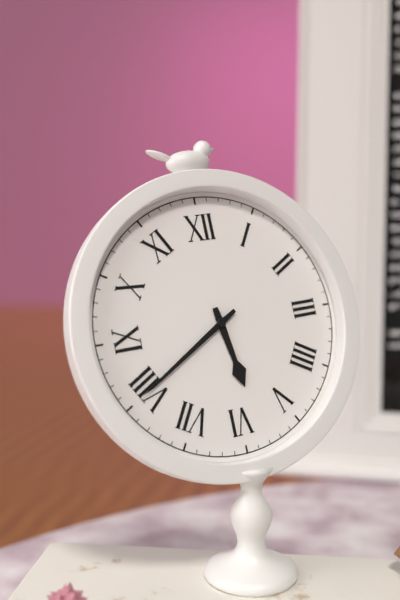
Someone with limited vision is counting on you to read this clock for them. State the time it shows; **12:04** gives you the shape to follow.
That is **5:40**
